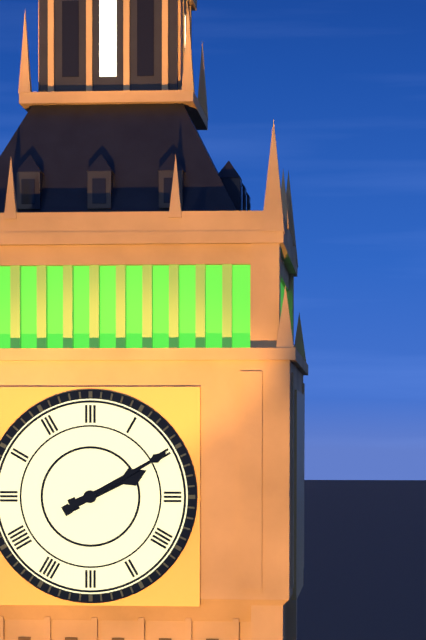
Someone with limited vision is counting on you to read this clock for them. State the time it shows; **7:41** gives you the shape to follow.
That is **2:10**
